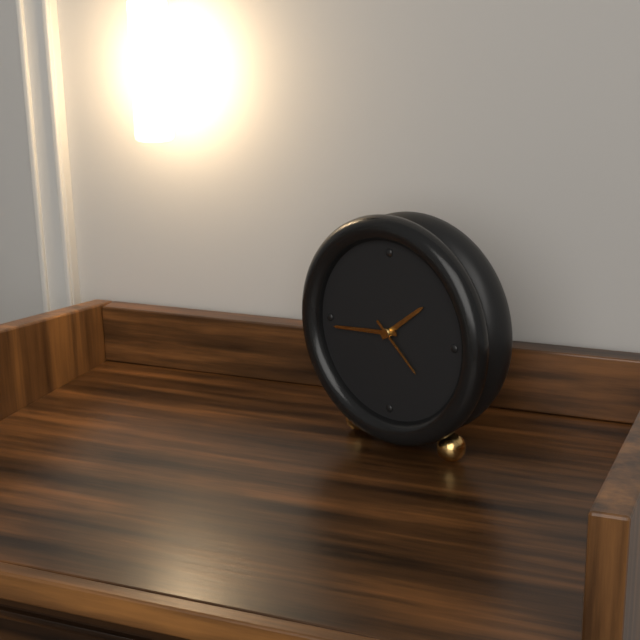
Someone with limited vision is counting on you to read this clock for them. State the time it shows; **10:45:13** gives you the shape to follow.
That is **1:44:22**
